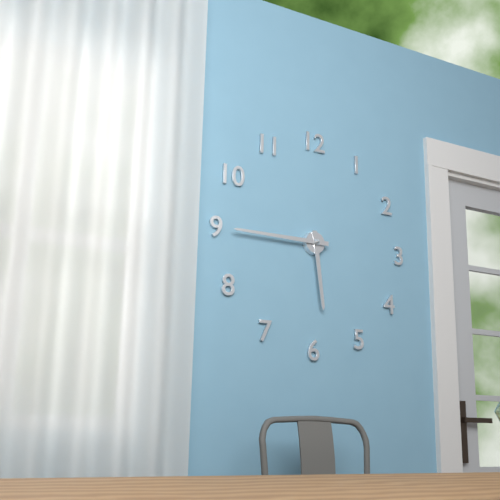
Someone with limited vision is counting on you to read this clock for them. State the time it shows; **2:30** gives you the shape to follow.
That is **5:45**
